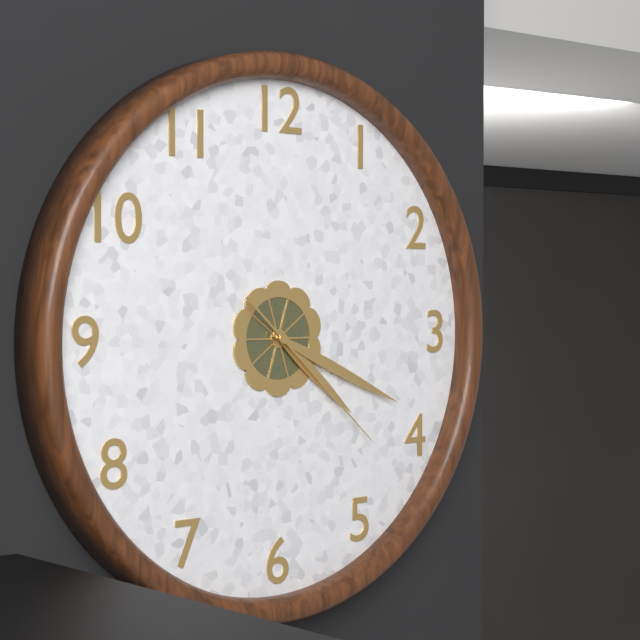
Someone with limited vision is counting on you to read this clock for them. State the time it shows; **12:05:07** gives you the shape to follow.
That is **4:19:22**
